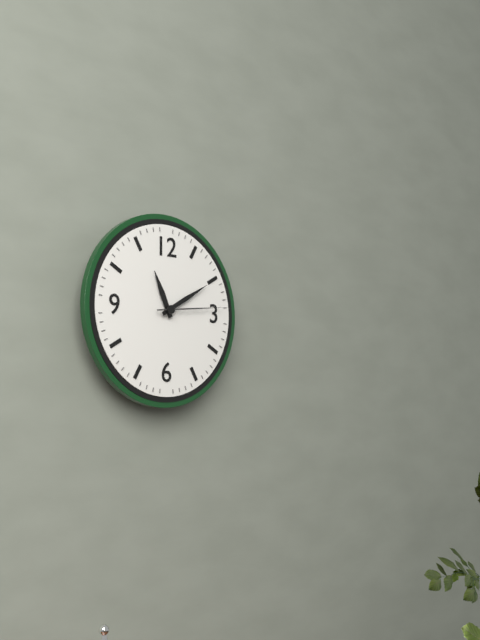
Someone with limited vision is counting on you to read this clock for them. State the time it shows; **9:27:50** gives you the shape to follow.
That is **11:10:14**
